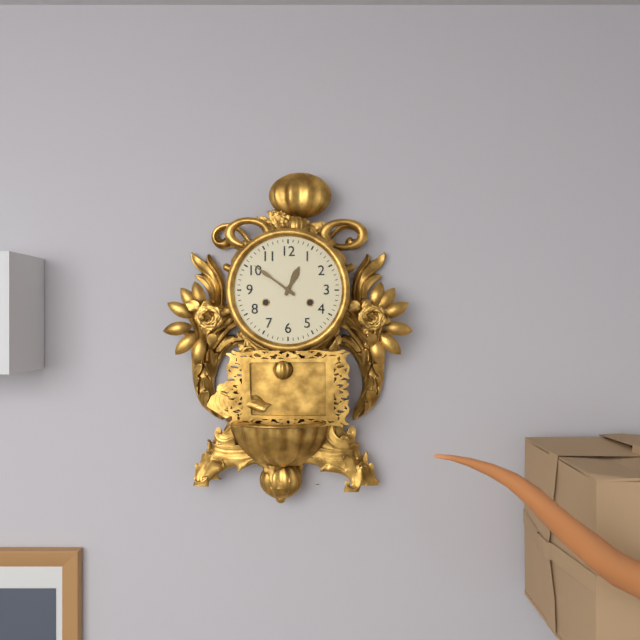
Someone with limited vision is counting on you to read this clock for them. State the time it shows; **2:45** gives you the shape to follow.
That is **12:51**
